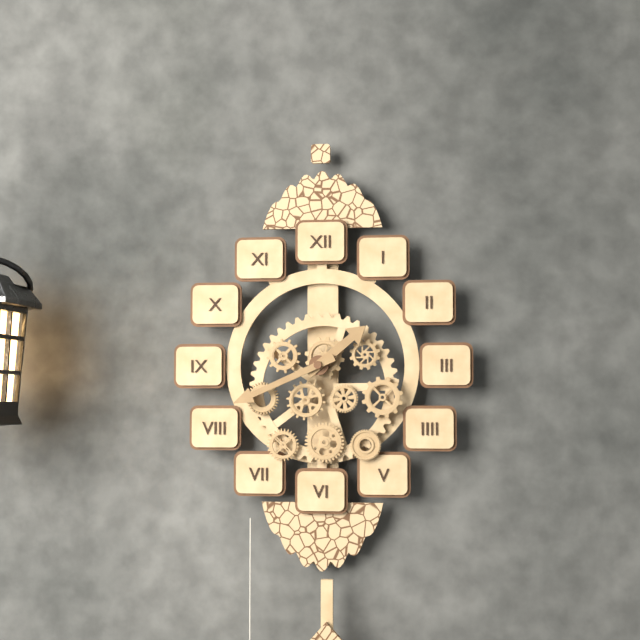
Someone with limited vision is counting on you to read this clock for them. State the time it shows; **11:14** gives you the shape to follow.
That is **1:41**
